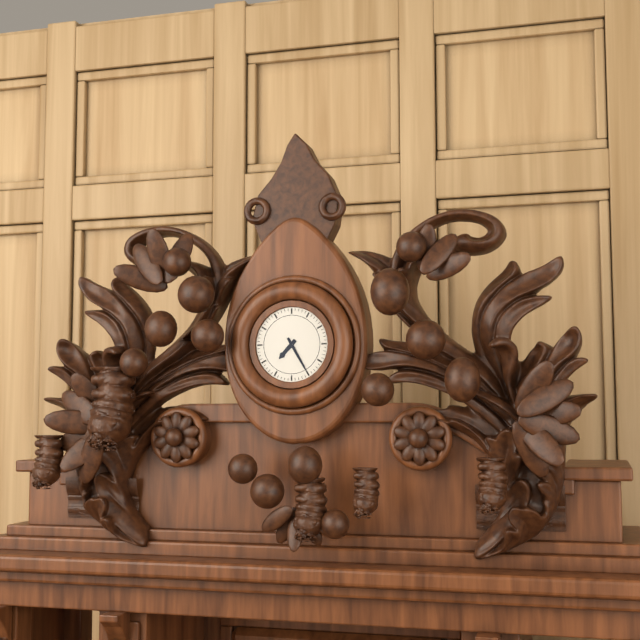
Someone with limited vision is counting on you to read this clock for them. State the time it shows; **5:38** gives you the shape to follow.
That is **7:25**
